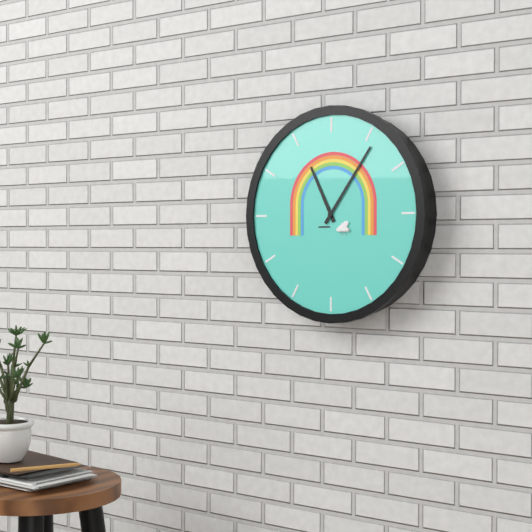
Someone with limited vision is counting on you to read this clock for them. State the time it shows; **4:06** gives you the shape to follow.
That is **11:06**
